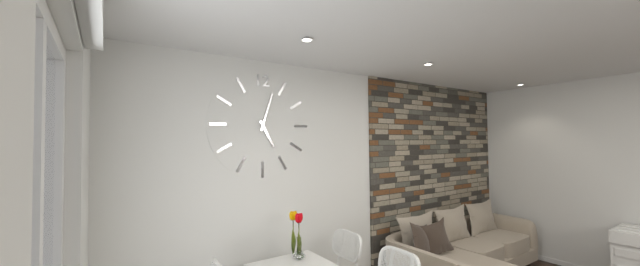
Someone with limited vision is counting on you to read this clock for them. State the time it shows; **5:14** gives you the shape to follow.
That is **5:03**
